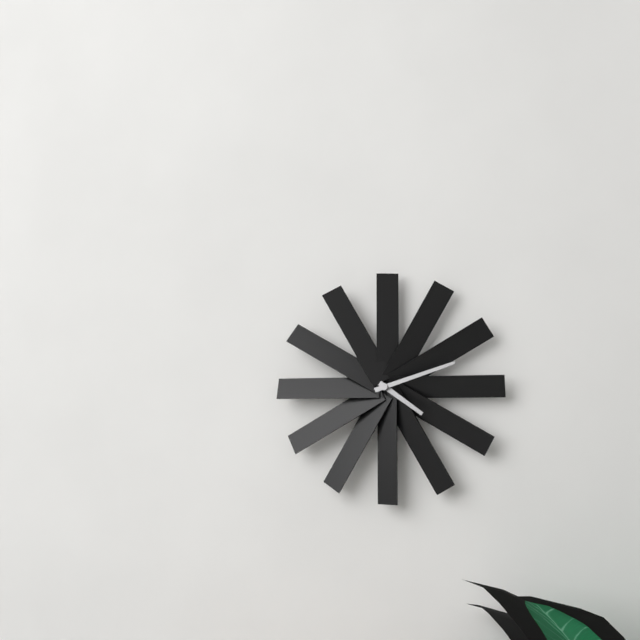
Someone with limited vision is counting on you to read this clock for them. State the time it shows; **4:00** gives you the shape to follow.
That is **4:12**
